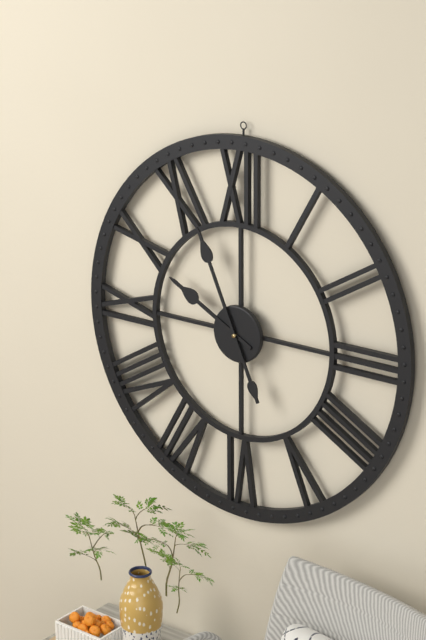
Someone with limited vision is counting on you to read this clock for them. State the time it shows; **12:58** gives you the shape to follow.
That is **9:56**
